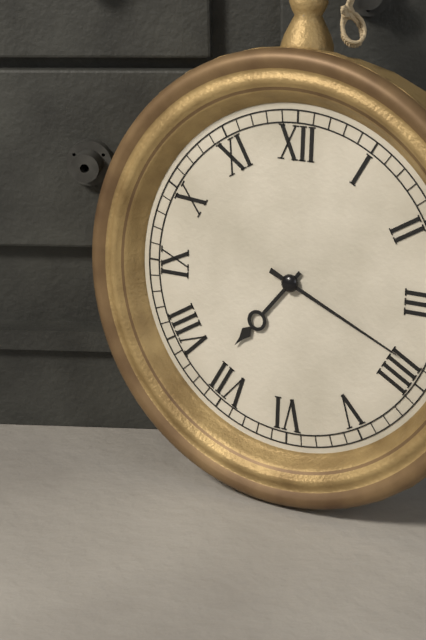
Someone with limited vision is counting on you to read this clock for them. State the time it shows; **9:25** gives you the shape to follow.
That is **7:19**
